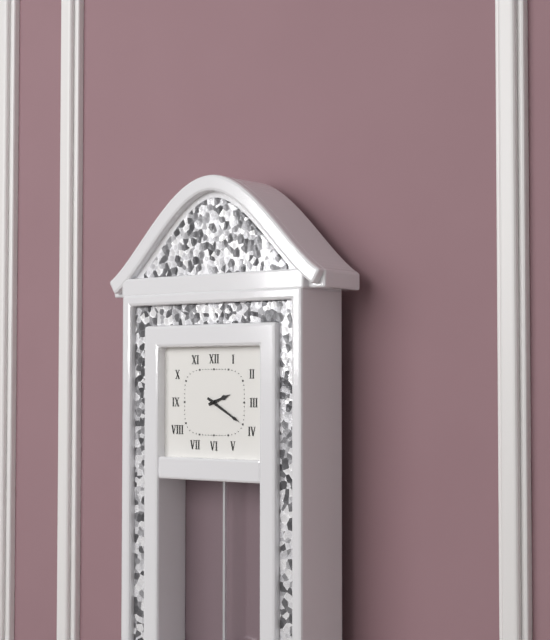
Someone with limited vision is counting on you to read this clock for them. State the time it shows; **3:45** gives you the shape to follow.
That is **2:20**
